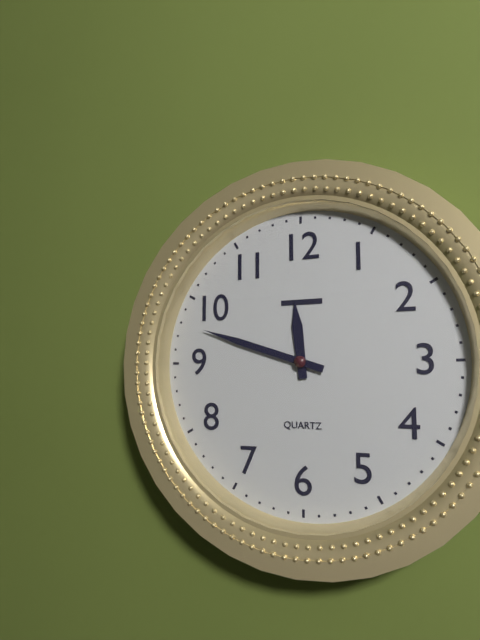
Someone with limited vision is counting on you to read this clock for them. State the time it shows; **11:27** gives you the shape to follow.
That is **11:48**
